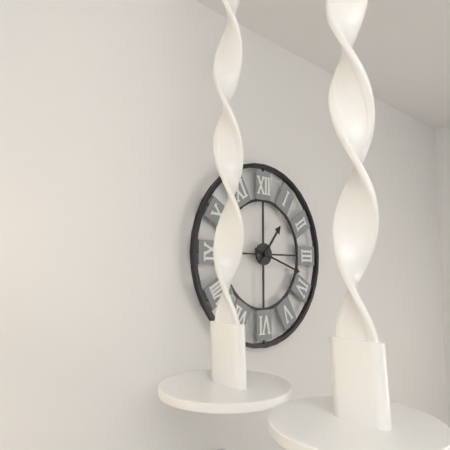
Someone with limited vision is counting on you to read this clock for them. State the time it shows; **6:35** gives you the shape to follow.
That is **1:18**
